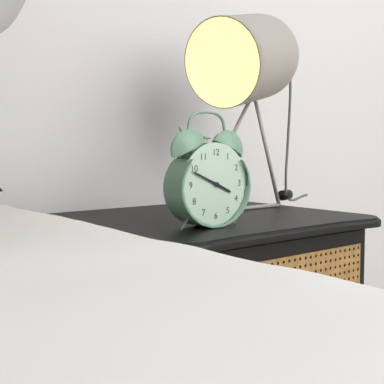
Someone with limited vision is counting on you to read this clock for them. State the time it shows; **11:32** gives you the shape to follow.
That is **3:49**
